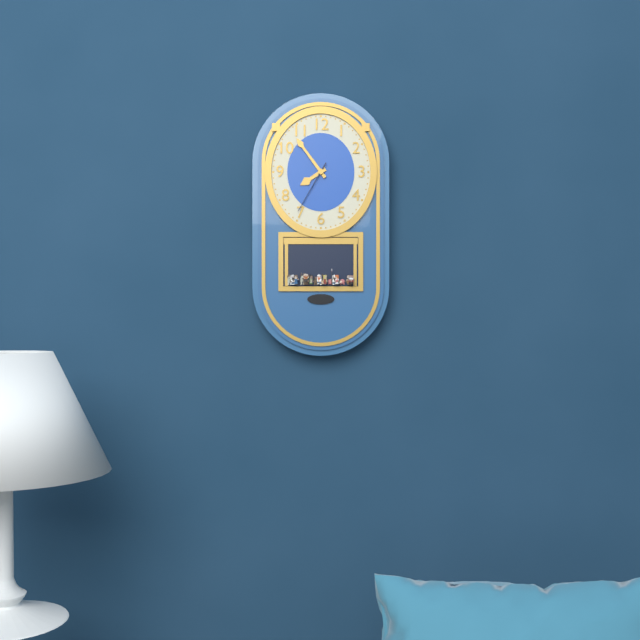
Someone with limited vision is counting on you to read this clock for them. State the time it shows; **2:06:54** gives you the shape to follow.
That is **7:54:35**
